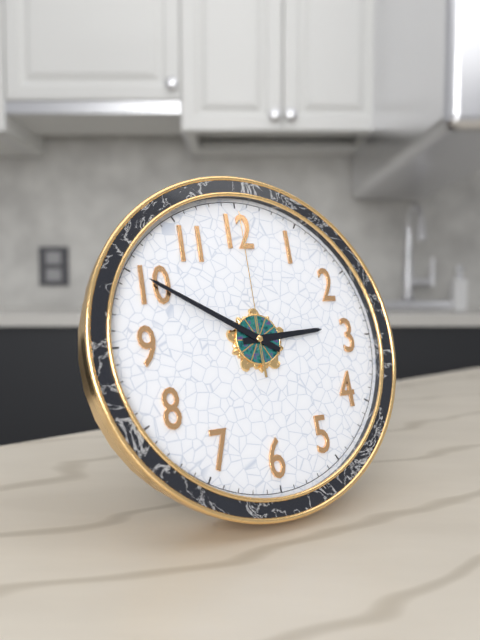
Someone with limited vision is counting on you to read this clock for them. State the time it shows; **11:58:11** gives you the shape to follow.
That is **2:50:00**
